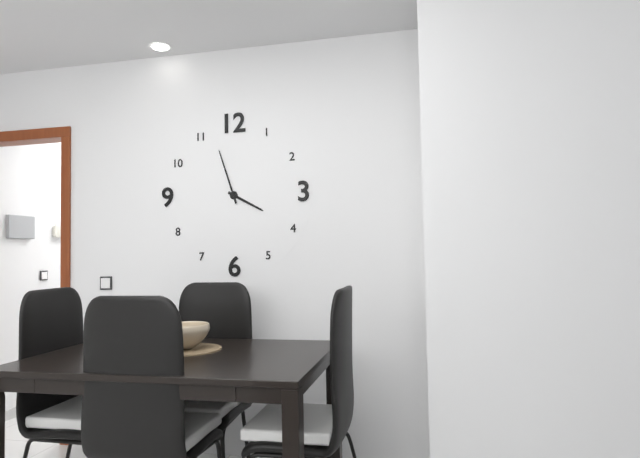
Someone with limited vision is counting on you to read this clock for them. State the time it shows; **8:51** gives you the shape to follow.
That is **3:57**
